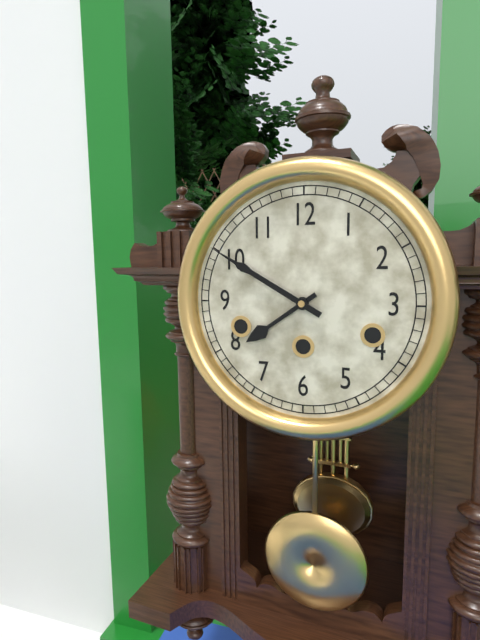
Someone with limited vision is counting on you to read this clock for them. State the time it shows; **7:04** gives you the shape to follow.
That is **7:50**
